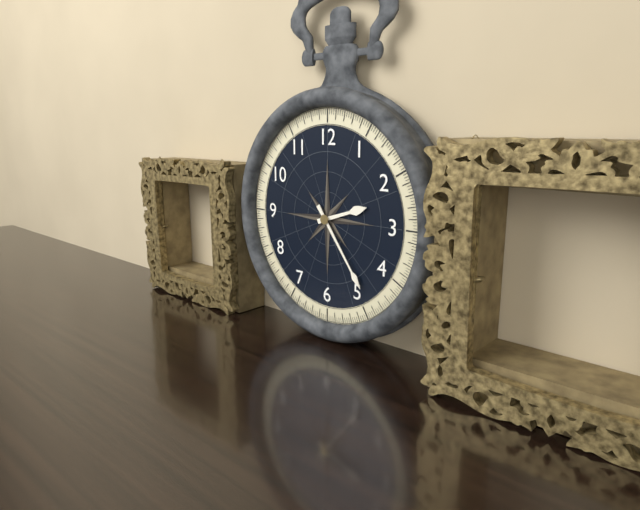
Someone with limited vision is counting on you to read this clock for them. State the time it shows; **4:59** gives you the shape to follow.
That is **2:24**
